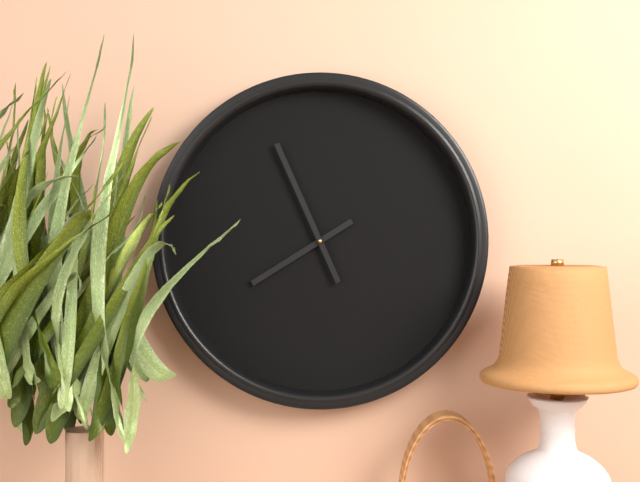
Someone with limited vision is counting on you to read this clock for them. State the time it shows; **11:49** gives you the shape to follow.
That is **7:56**
